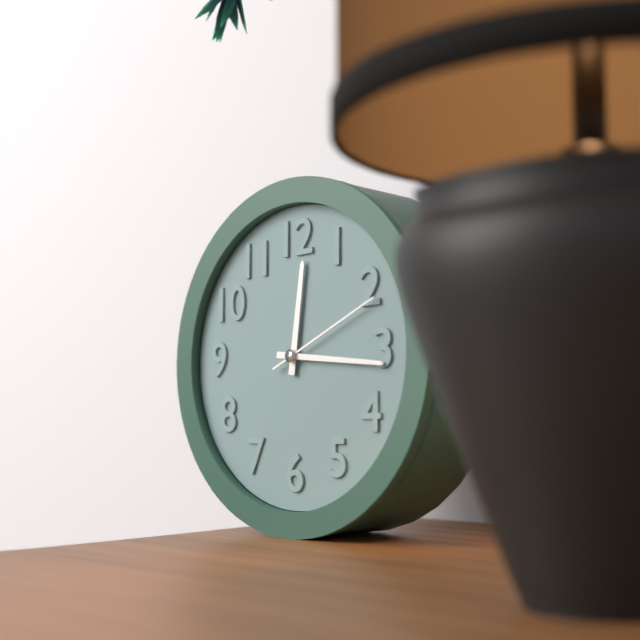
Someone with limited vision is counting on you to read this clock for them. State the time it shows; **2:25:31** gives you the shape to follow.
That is **12:16:11**
